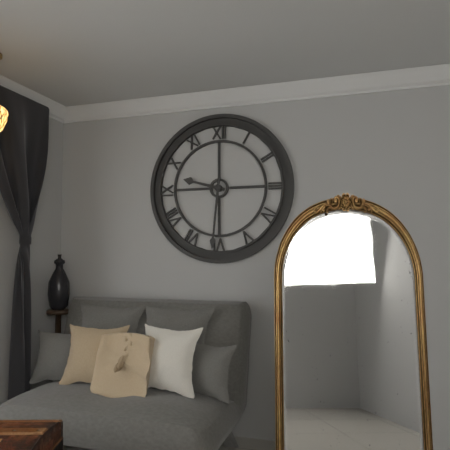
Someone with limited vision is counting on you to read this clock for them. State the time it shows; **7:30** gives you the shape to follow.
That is **9:31**
